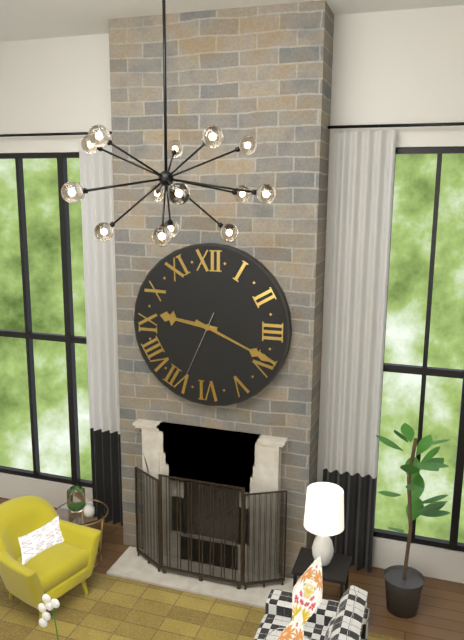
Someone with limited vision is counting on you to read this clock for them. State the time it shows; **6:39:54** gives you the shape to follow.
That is **9:19:34**
